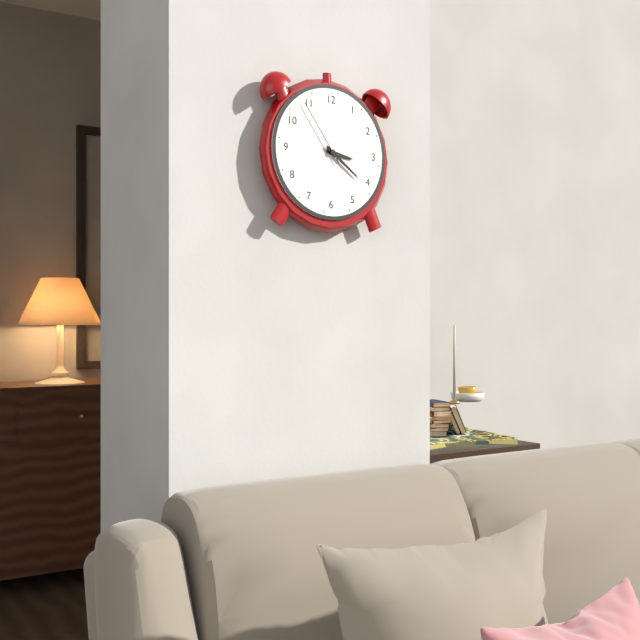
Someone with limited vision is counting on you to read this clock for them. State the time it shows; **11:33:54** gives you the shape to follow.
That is **3:21:54**
